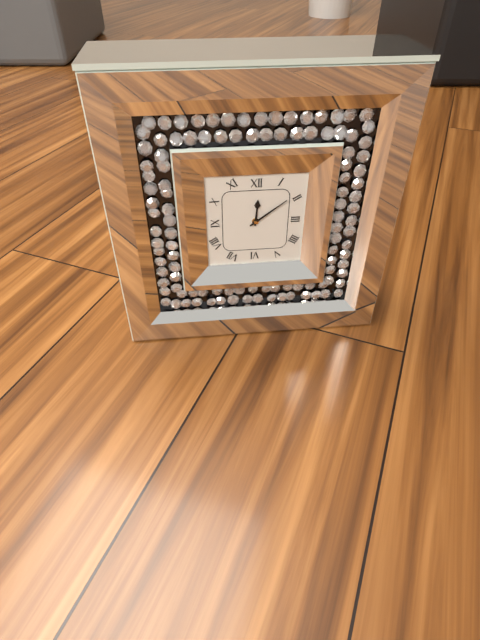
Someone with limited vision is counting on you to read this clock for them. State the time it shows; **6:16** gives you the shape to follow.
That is **12:09**
